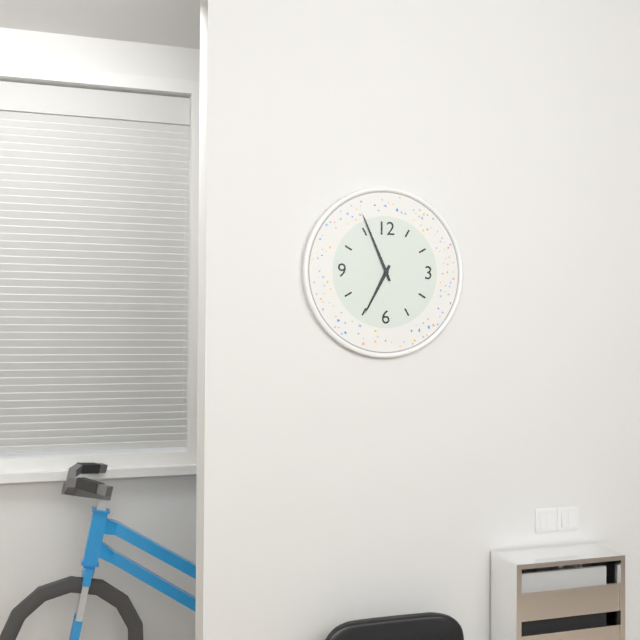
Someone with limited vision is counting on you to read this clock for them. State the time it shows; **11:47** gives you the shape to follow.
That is **6:56**
